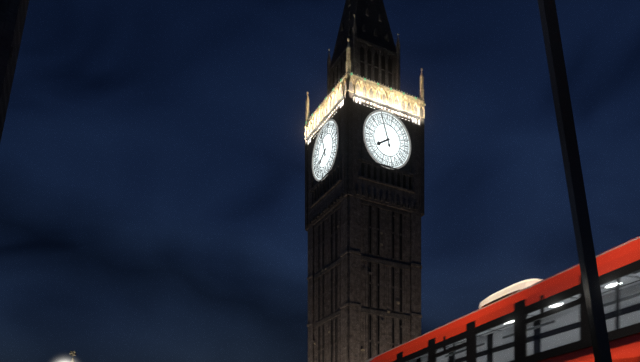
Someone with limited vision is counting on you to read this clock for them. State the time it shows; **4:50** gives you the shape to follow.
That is **7:57**
